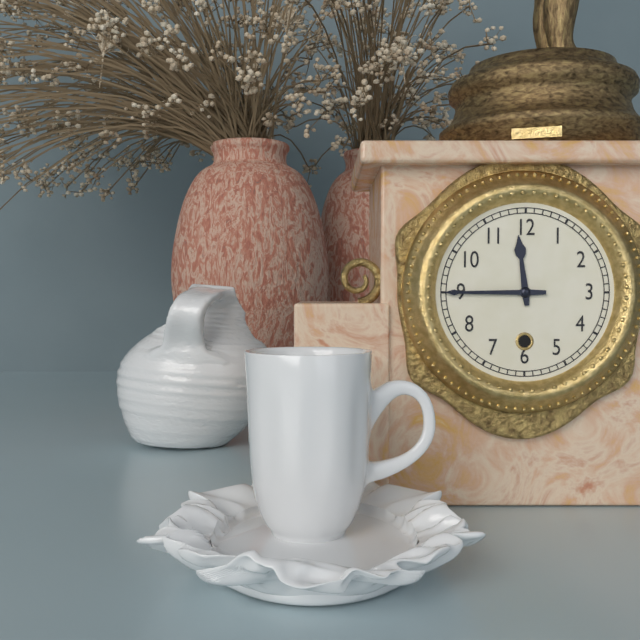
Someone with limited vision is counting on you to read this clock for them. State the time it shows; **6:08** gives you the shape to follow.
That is **11:45**
